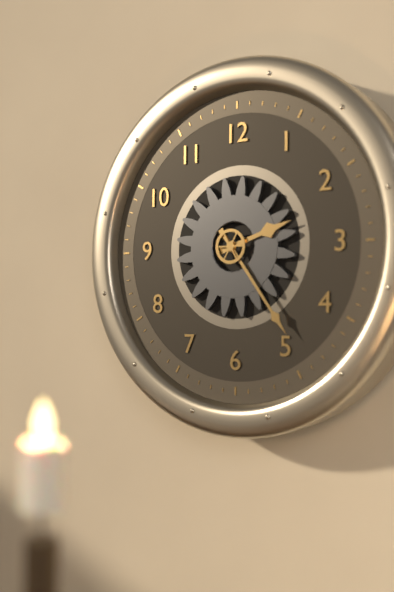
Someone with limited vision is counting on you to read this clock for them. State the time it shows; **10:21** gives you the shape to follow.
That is **2:24**
